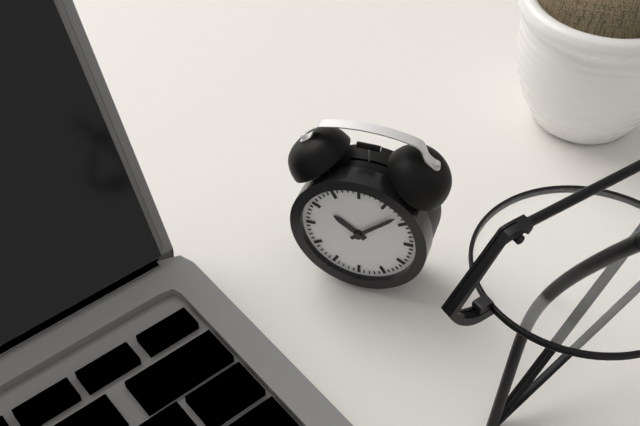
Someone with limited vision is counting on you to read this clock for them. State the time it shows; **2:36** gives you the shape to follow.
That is **10:08**
